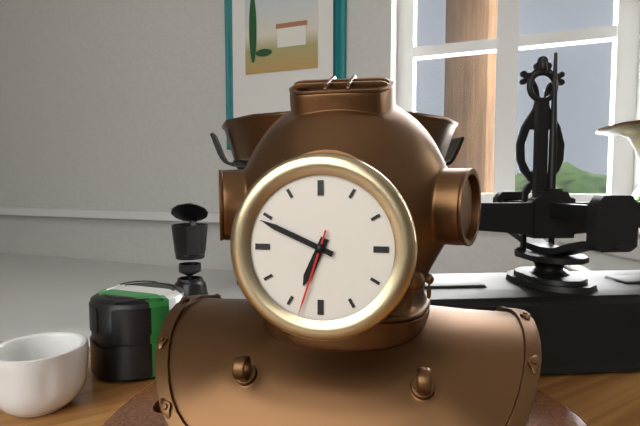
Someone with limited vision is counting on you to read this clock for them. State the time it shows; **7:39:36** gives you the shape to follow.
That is **6:49:33**
